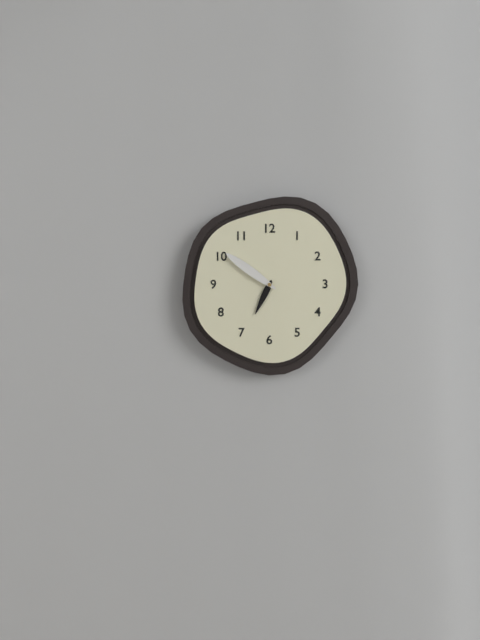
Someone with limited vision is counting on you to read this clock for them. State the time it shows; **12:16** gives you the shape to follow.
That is **6:51**
